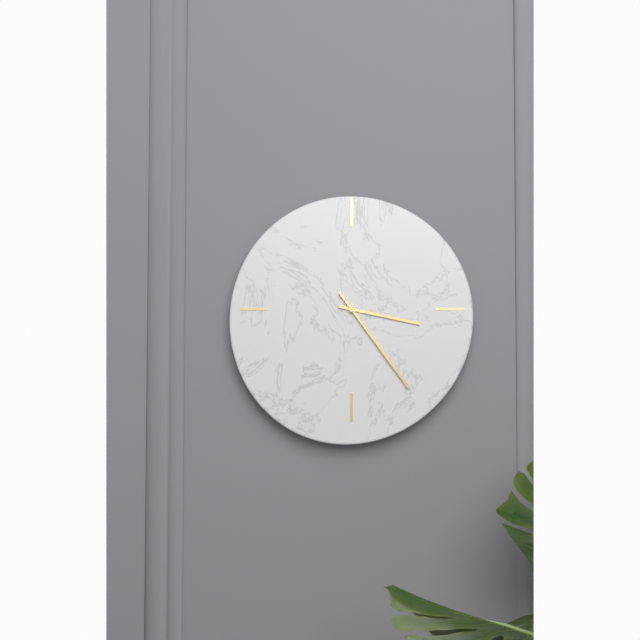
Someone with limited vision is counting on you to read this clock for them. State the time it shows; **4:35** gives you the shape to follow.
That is **3:24**
